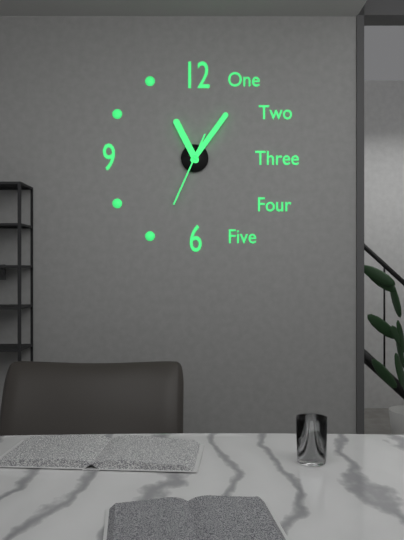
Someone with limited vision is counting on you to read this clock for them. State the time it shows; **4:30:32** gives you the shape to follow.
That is **11:06:34**
